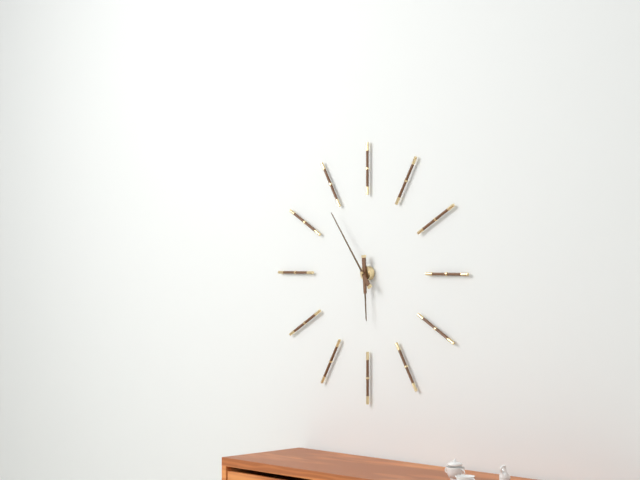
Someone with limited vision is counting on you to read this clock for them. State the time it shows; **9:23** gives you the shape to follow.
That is **5:54**
